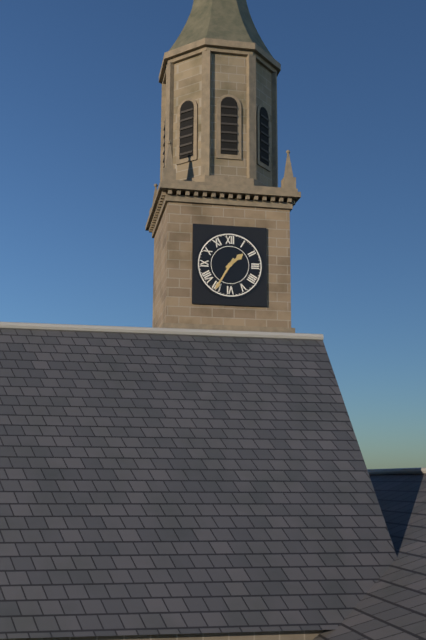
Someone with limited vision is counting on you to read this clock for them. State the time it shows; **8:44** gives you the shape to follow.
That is **1:35**
